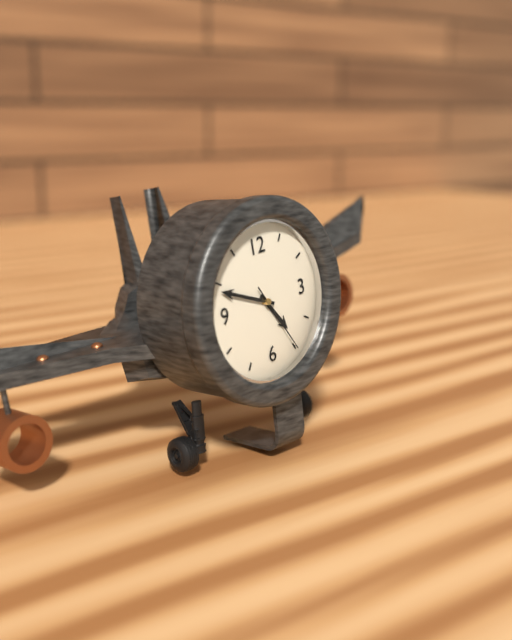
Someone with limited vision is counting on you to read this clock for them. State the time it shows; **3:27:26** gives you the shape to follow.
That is **4:49:25**
